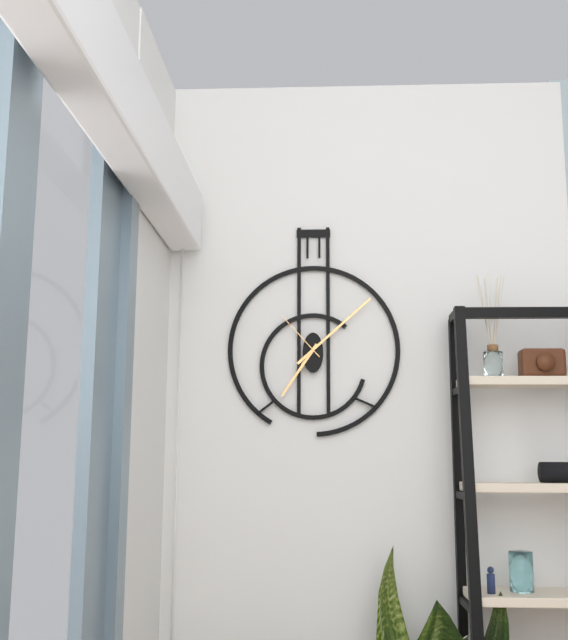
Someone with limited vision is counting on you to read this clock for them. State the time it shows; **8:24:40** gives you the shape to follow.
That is **7:08:53**
